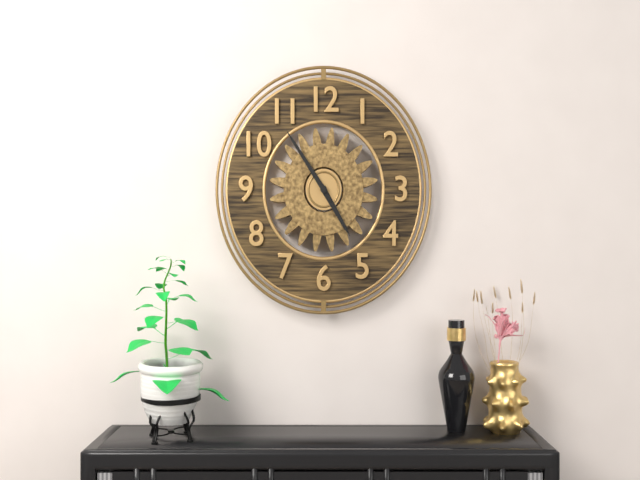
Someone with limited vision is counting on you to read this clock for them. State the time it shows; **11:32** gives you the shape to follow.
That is **4:54**
